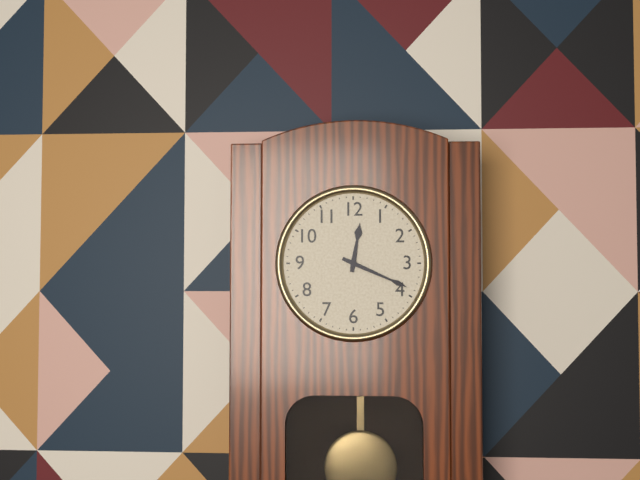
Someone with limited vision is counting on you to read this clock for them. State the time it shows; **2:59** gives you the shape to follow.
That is **12:19**
